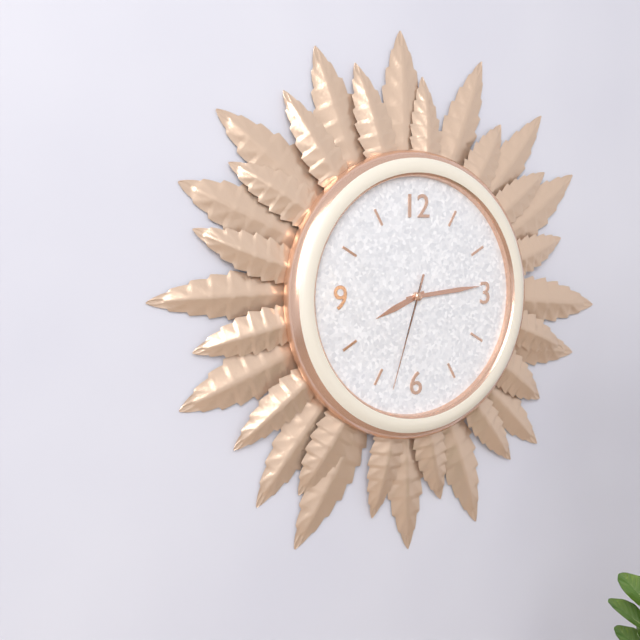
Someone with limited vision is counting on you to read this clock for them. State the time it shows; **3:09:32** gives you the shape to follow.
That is **8:14:33**
